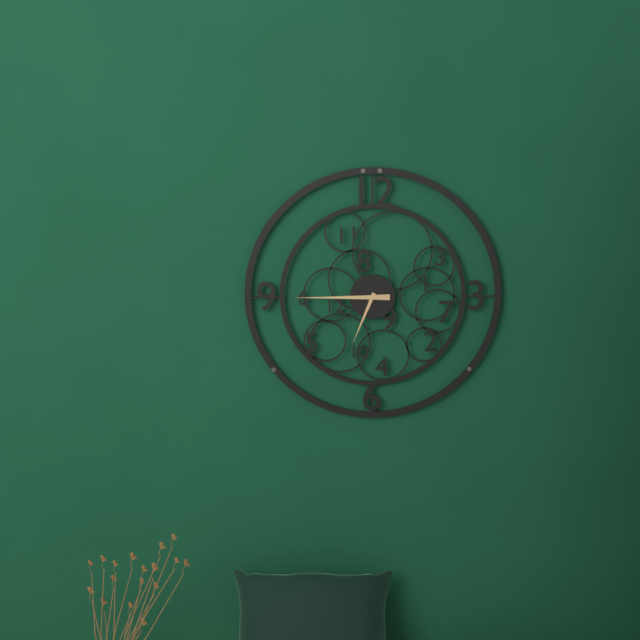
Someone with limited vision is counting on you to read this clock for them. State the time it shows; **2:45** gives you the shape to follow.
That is **6:45**
